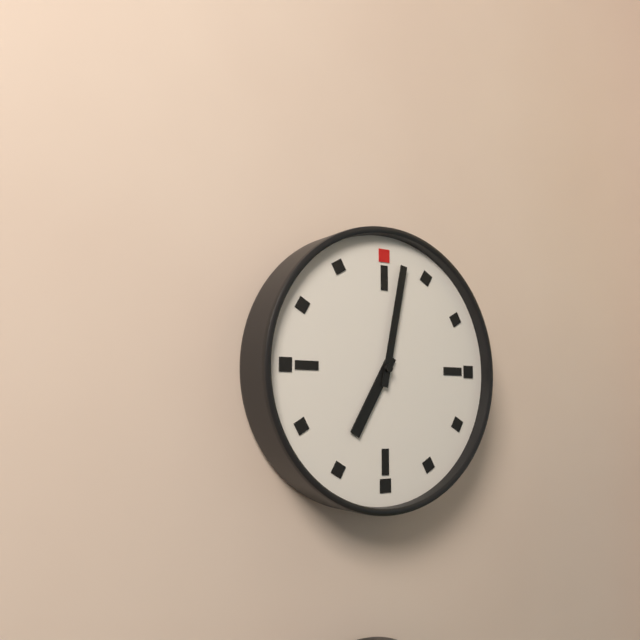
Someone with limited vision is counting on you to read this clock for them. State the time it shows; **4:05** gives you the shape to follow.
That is **7:02**
